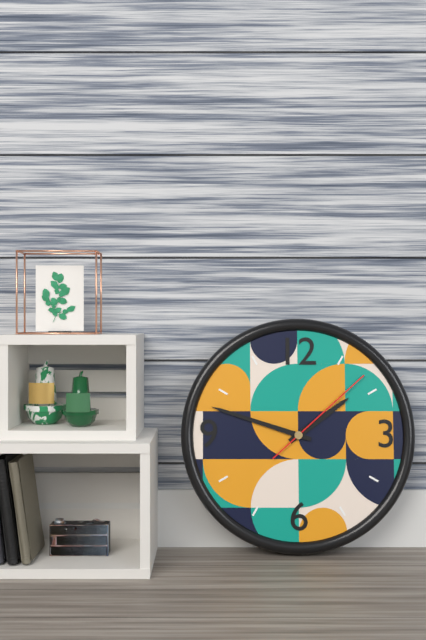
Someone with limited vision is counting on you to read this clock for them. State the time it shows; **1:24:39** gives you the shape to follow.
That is **1:48:08**
